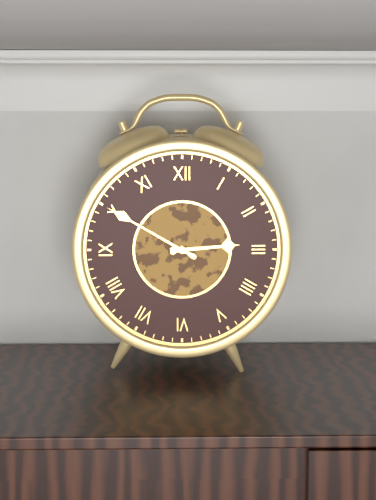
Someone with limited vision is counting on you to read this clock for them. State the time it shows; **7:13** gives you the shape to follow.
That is **2:50**
